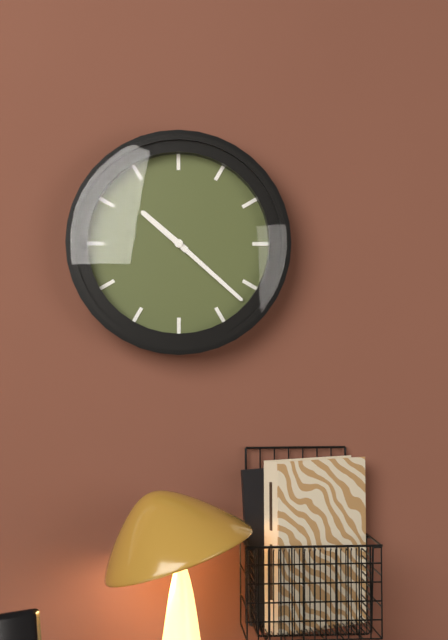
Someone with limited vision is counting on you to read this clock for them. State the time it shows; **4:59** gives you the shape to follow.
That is **10:22**
